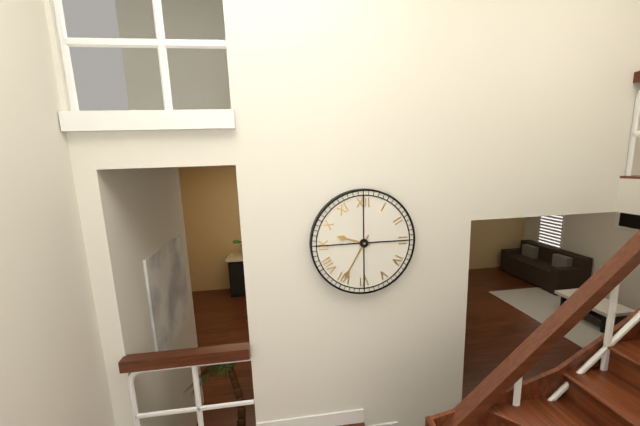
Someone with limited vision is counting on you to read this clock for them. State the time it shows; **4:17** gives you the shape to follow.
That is **9:35**
